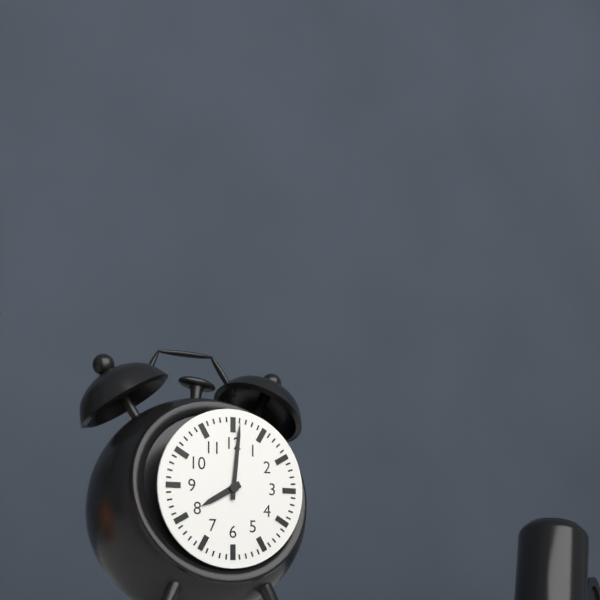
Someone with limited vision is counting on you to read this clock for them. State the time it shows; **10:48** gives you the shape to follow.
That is **8:01**
